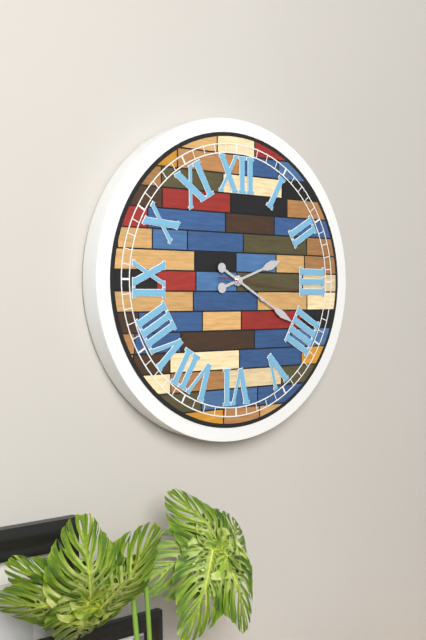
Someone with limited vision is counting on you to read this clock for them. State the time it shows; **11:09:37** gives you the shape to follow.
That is **2:20:16**
